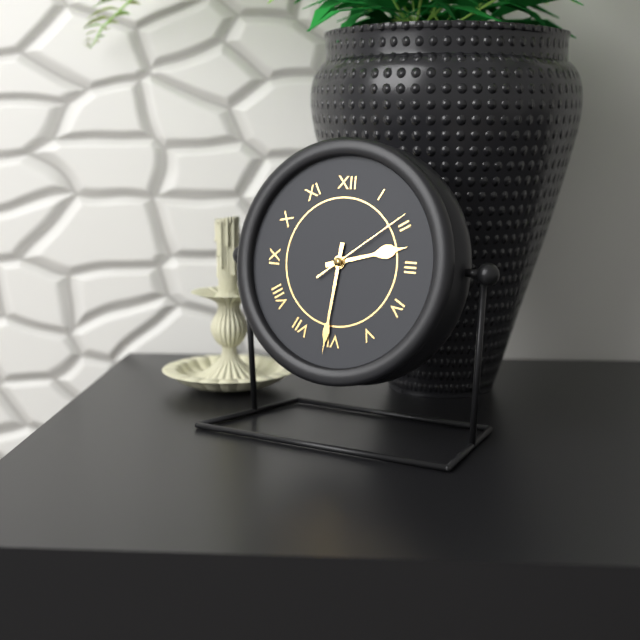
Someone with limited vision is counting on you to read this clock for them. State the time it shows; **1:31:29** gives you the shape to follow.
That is **2:31:09**
